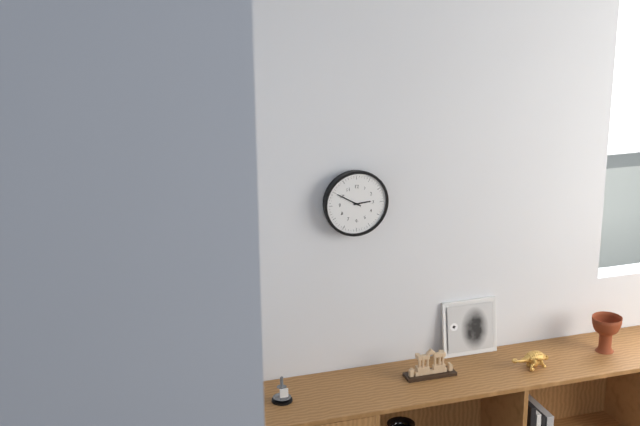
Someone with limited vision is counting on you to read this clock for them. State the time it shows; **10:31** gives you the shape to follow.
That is **2:50**
